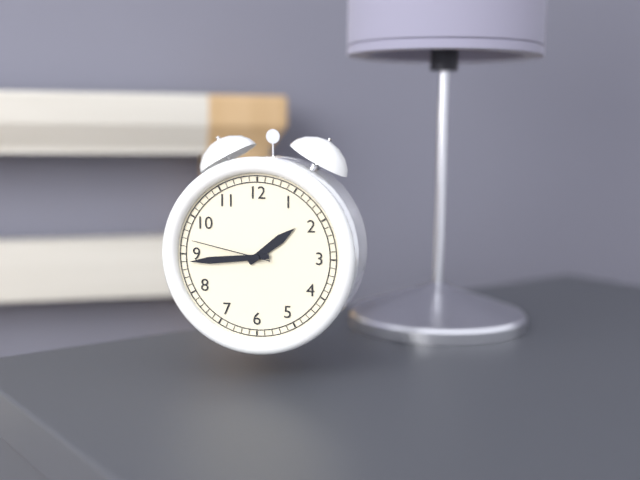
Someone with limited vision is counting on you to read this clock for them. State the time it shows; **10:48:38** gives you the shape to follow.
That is **1:44:47**
